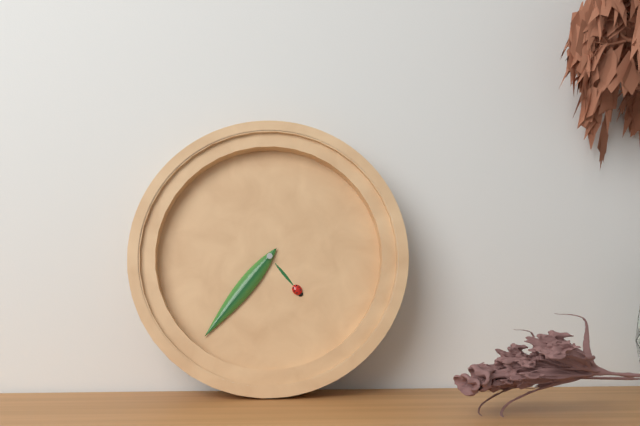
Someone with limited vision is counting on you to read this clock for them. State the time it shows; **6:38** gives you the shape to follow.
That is **4:36**
